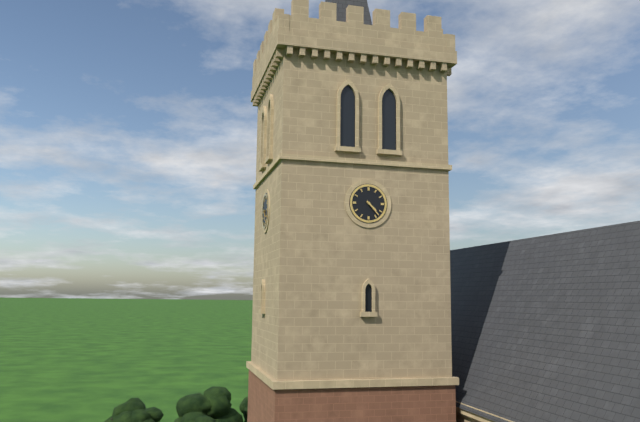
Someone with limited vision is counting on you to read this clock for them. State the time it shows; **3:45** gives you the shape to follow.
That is **4:23**
